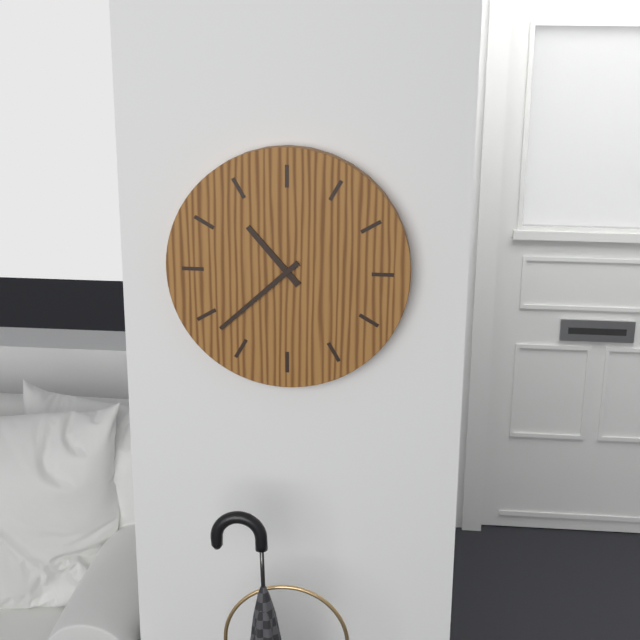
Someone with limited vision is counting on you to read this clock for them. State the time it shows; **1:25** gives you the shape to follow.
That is **10:38**
